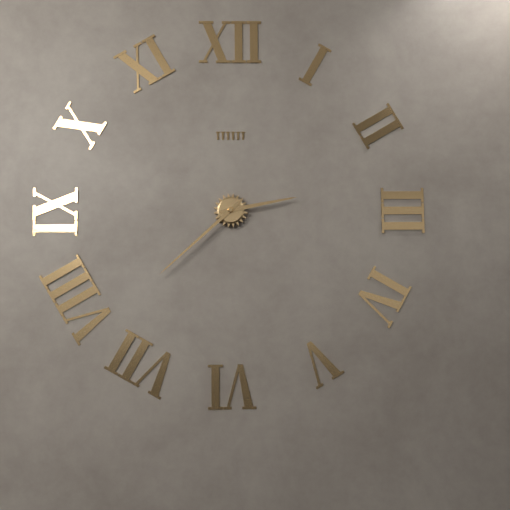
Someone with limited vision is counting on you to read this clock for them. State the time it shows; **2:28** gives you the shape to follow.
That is **2:38**
